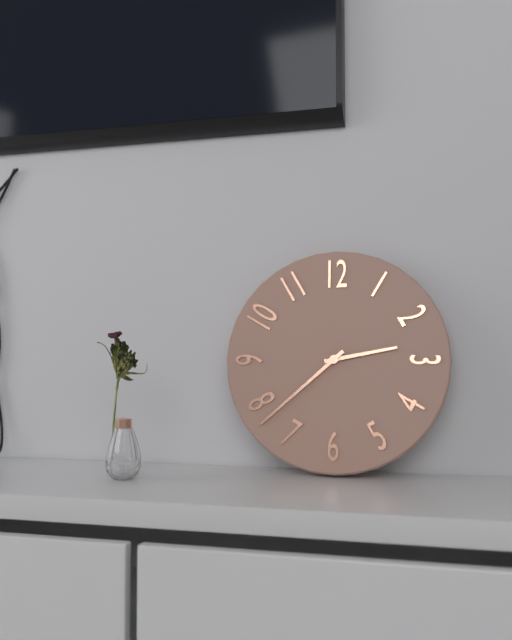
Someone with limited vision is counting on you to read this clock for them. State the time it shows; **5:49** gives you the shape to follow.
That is **2:38**
